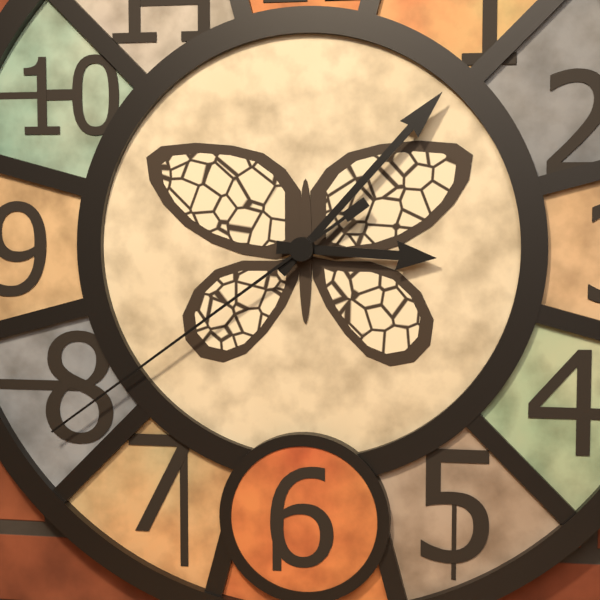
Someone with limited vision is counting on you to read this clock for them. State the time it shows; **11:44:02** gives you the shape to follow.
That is **3:07:39**
